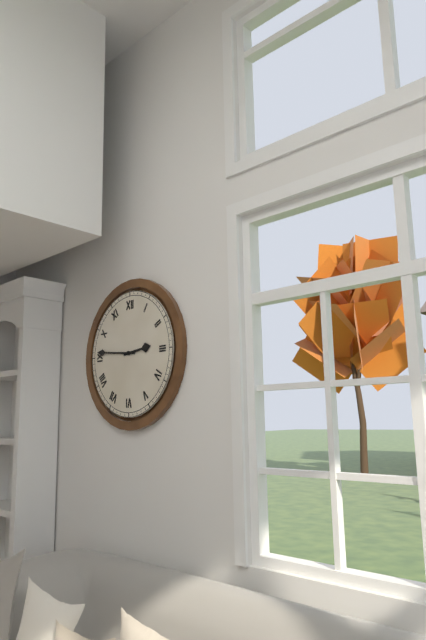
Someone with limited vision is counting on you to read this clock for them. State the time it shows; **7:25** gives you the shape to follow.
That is **2:46**
